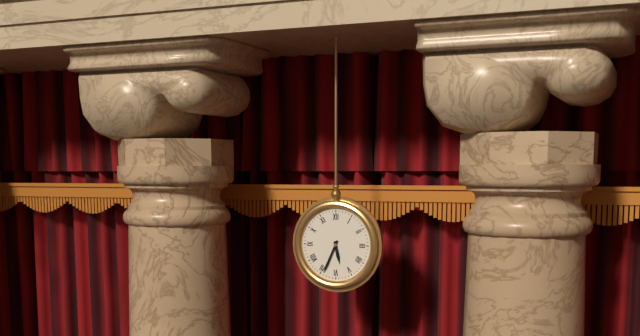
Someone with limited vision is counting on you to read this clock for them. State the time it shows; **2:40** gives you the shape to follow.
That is **5:34**
